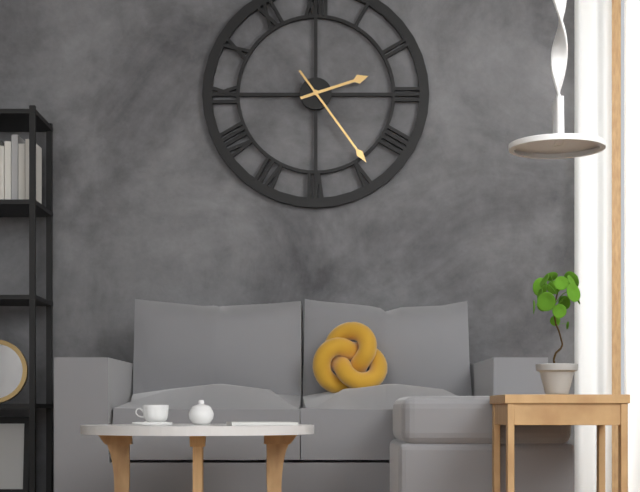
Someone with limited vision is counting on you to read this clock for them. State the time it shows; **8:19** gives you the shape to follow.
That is **2:24**
